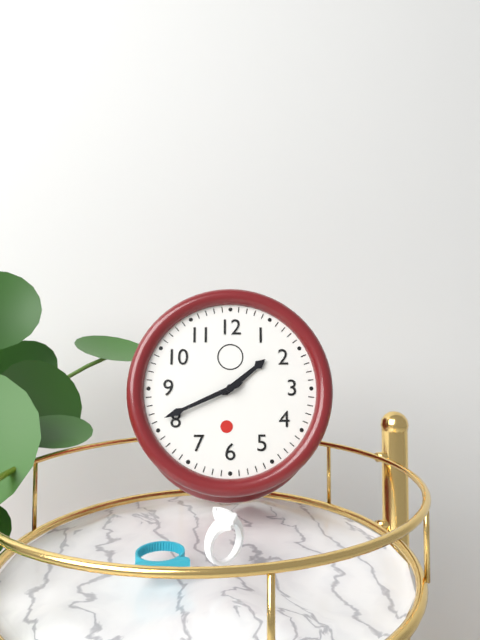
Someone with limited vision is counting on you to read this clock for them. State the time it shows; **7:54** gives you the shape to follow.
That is **1:41**
